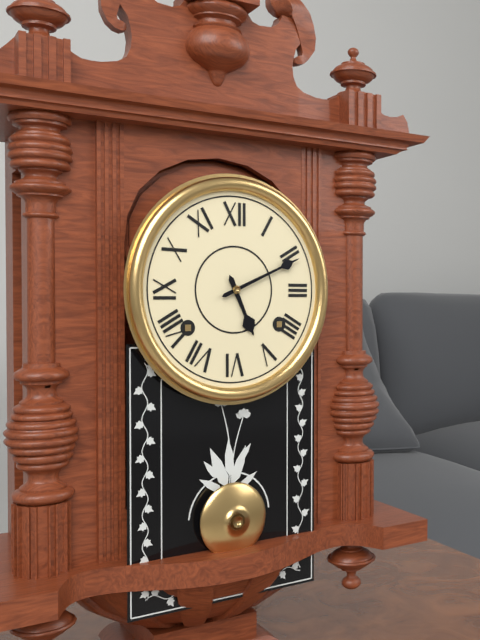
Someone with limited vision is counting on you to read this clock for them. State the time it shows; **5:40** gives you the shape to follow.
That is **5:11**
